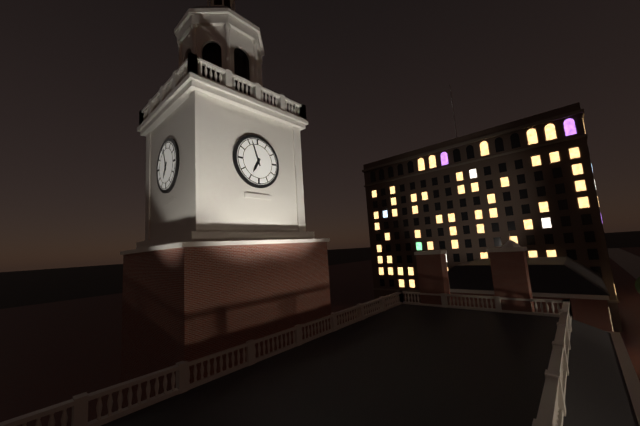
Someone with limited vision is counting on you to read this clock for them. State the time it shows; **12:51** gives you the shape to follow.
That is **6:57**
